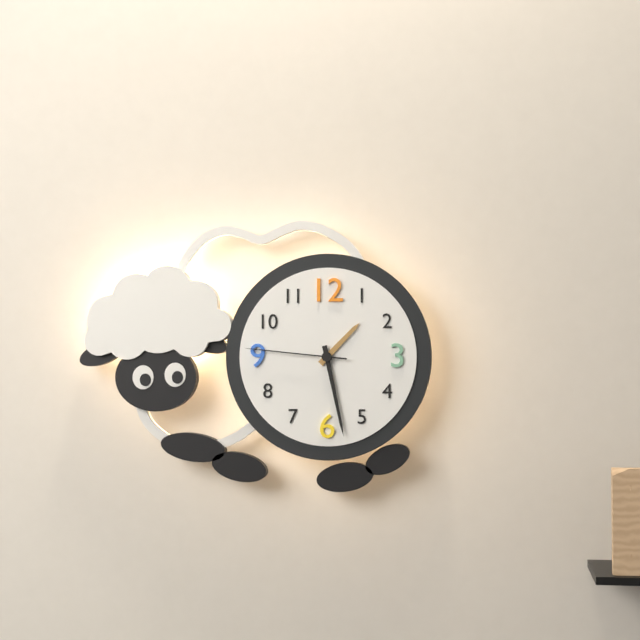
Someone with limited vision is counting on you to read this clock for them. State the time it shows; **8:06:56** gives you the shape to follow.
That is **1:28:46**
